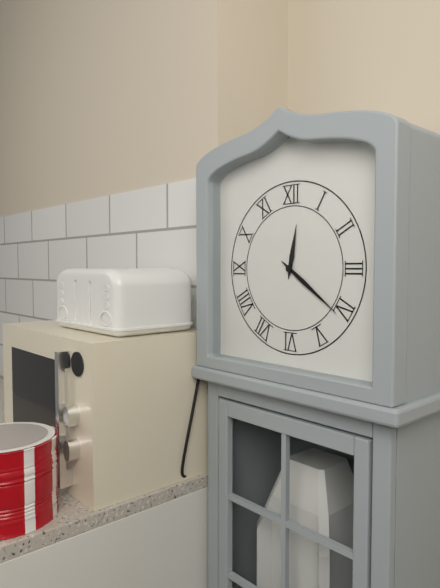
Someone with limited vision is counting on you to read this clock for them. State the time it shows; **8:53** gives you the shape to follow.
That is **12:21**
